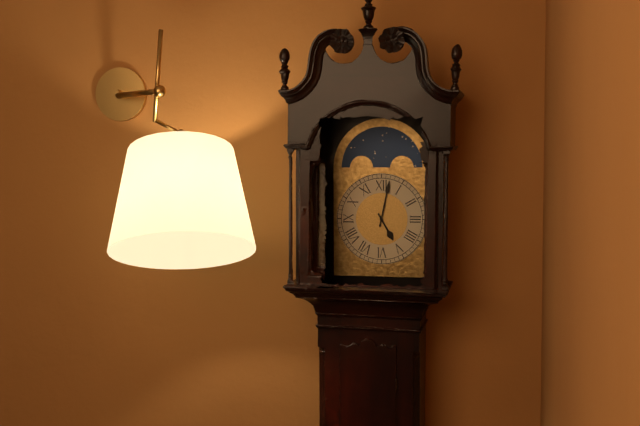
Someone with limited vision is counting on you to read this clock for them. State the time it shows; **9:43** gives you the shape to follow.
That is **5:02**
